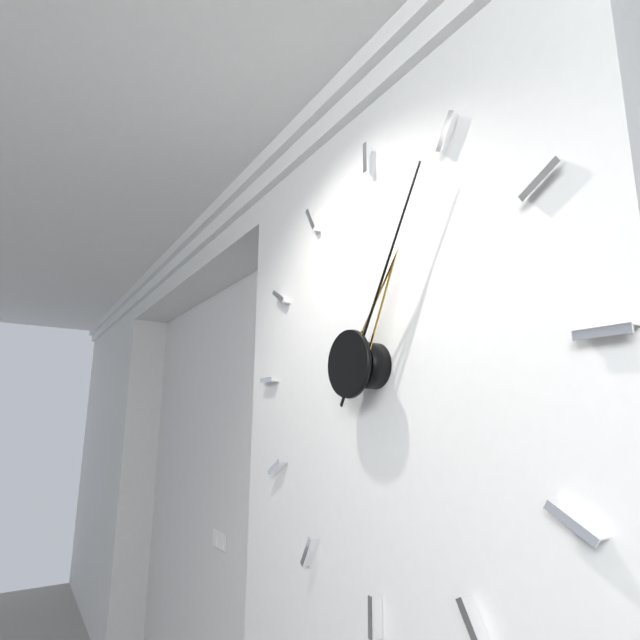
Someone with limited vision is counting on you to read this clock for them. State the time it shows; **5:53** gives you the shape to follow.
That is **1:05**
